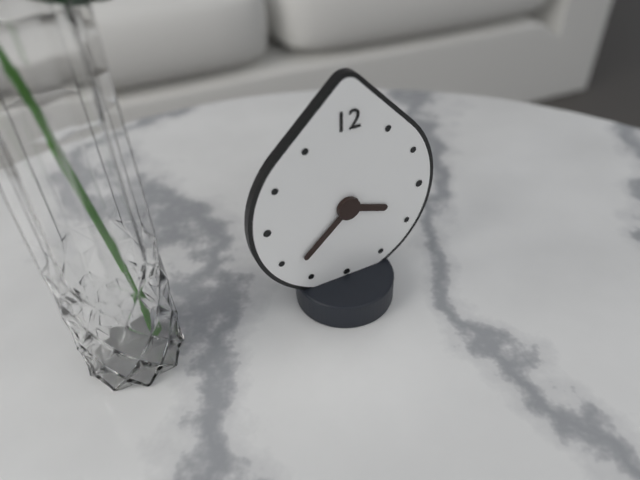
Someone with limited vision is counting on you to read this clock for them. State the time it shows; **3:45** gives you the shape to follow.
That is **3:38**
